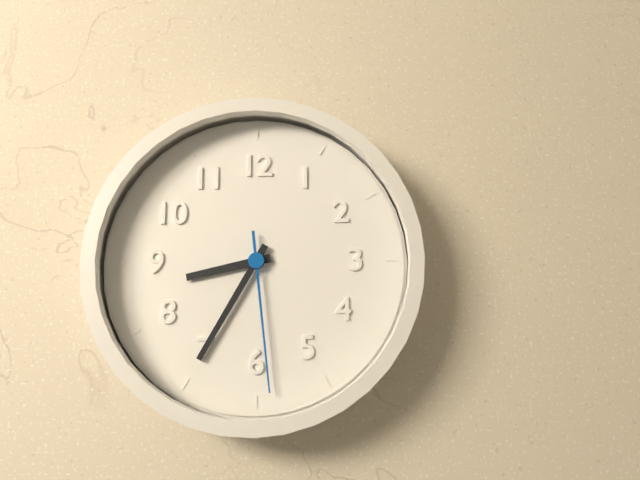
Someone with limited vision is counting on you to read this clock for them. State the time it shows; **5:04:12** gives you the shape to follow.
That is **8:35:29**
